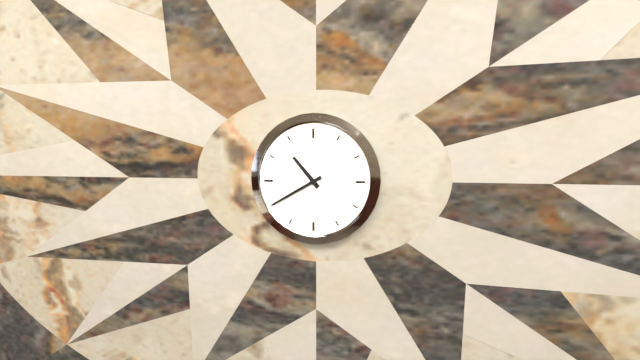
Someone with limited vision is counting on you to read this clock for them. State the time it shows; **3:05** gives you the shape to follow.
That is **10:40**
